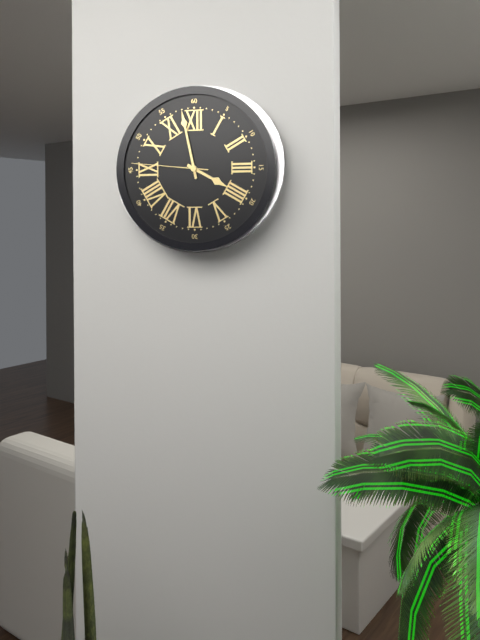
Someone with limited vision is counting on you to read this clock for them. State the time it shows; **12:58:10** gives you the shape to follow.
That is **3:58:46**
